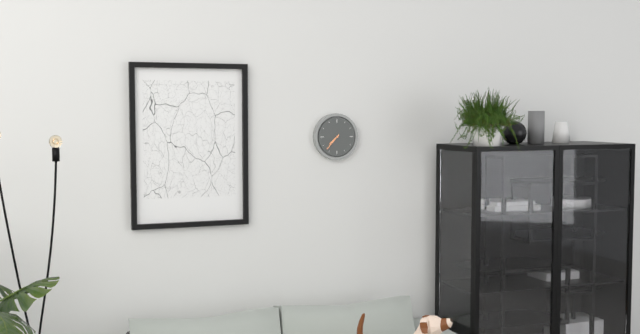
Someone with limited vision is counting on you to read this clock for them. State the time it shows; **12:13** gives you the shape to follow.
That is **7:37**
